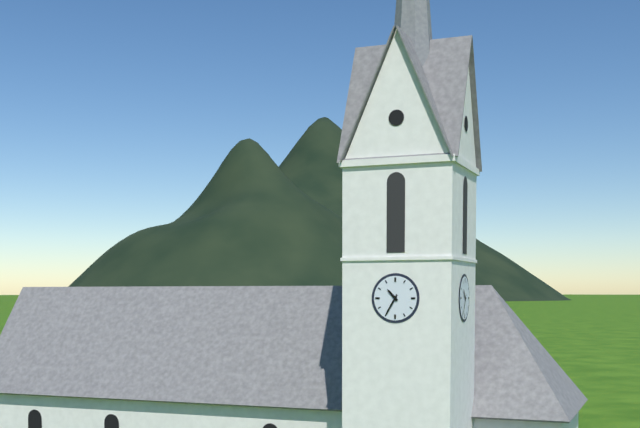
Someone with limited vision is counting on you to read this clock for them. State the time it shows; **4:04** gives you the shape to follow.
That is **10:35**
